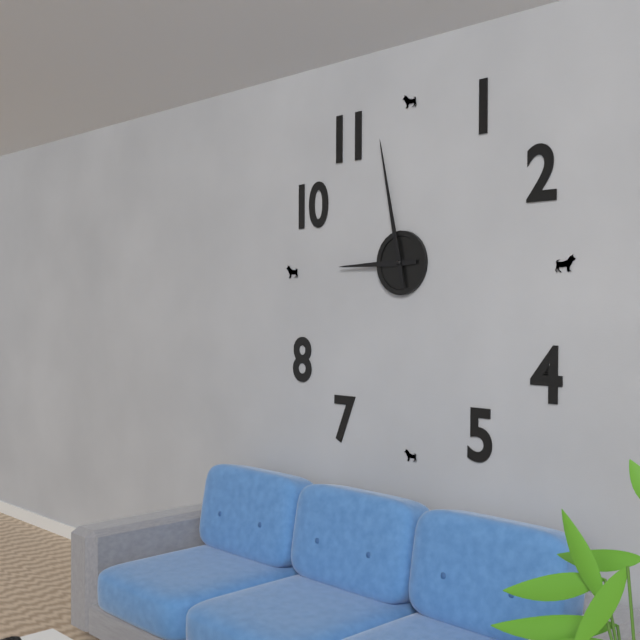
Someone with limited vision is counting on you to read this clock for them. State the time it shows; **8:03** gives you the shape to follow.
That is **8:58**
